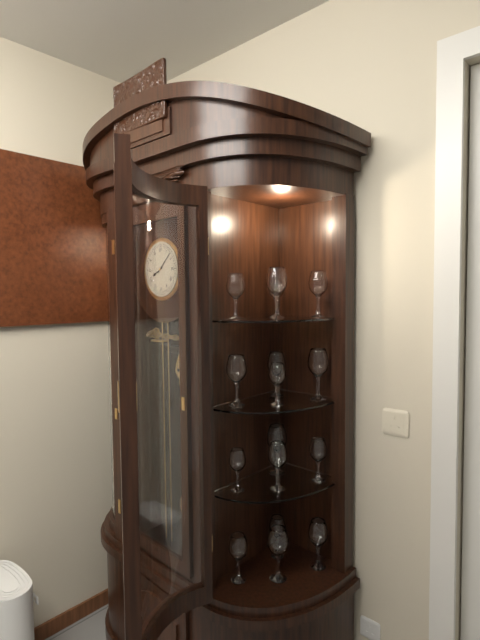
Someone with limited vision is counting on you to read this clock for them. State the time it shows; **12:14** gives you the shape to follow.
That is **8:08**
